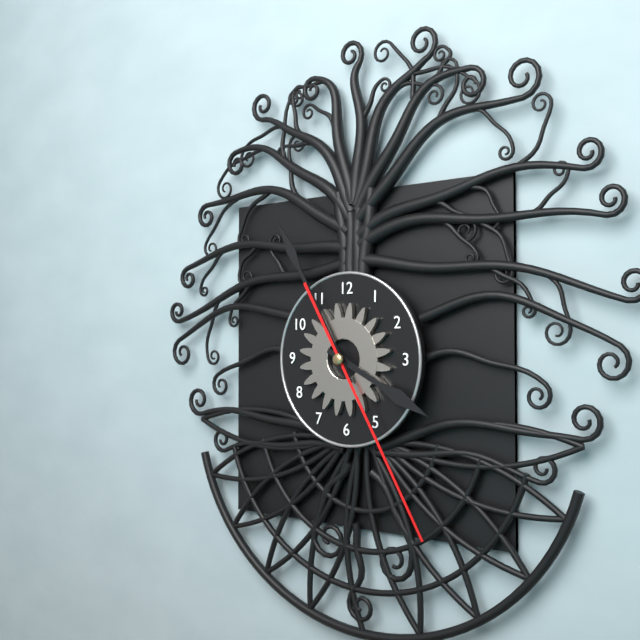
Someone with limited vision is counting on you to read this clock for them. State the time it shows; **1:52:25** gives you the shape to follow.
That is **3:55:25**
